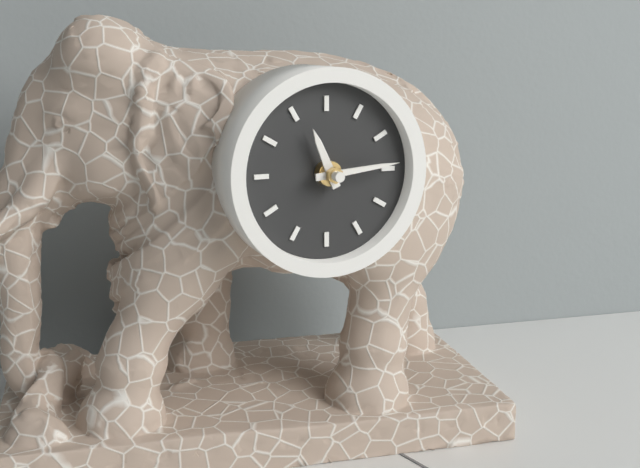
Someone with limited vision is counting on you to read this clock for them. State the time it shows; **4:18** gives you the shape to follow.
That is **11:14**
